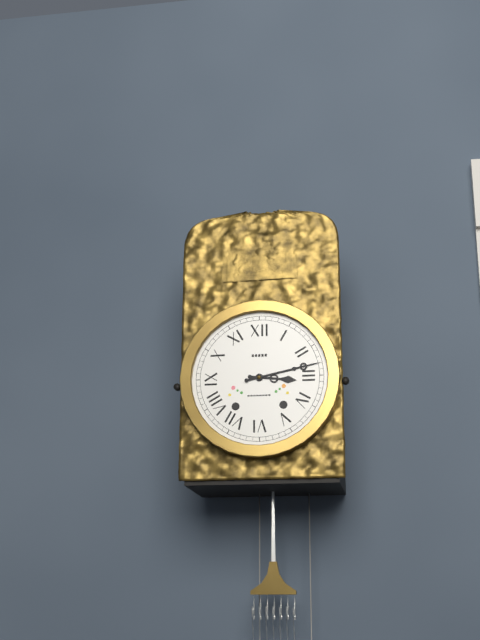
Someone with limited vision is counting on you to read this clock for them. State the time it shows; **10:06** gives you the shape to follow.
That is **3:13**
